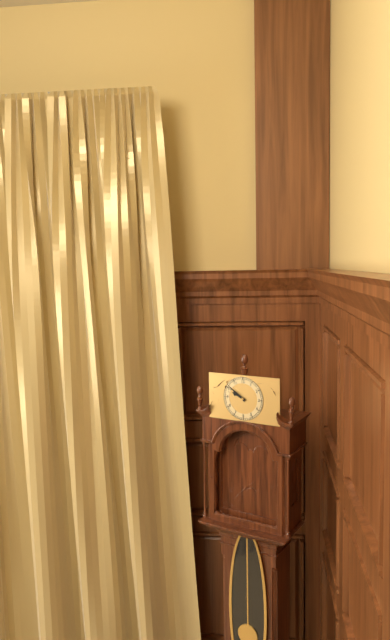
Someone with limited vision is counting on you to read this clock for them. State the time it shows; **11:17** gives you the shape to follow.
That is **9:51**
